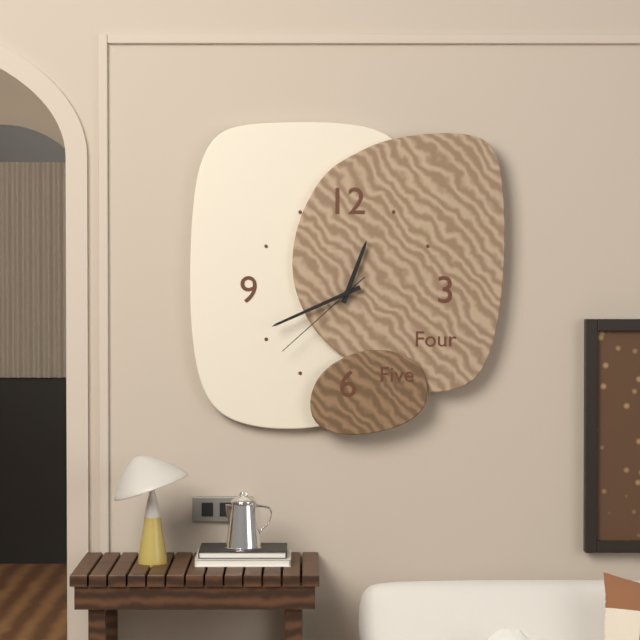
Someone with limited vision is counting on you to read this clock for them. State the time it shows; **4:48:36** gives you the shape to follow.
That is **12:41:38**
